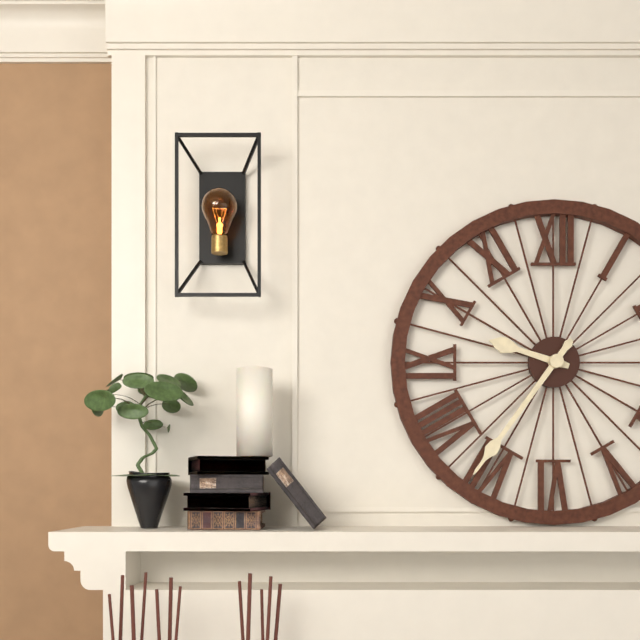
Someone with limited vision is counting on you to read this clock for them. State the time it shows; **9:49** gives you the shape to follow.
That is **9:36**
